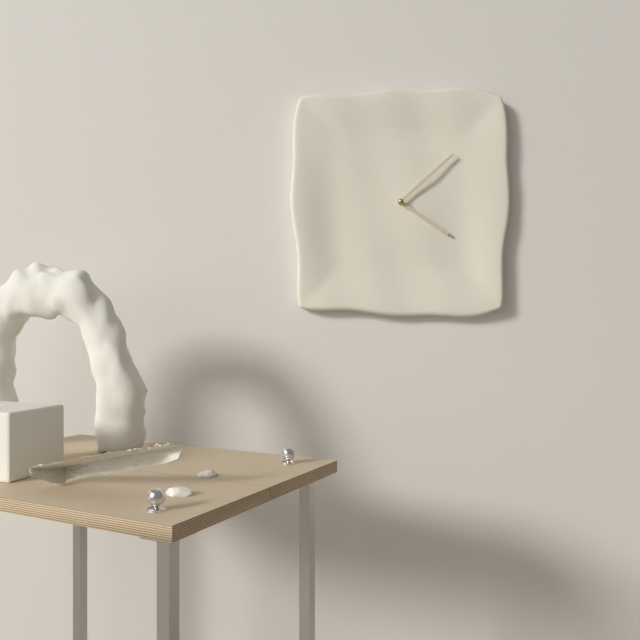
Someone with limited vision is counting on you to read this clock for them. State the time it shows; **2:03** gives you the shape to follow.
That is **4:08**
